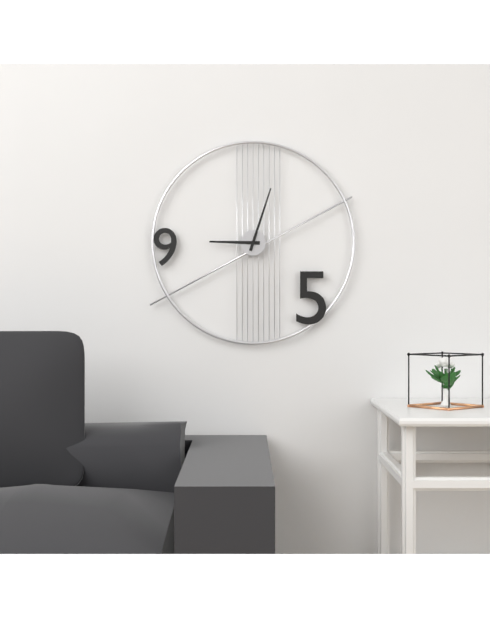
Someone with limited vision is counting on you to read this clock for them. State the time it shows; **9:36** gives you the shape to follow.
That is **9:03**
